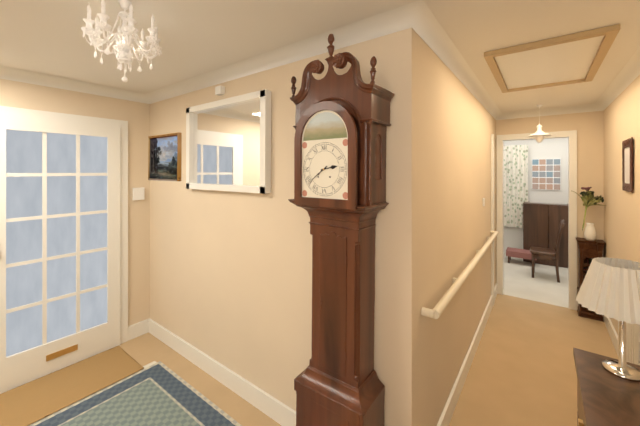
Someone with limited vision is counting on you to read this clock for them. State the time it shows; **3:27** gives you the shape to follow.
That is **2:39**
